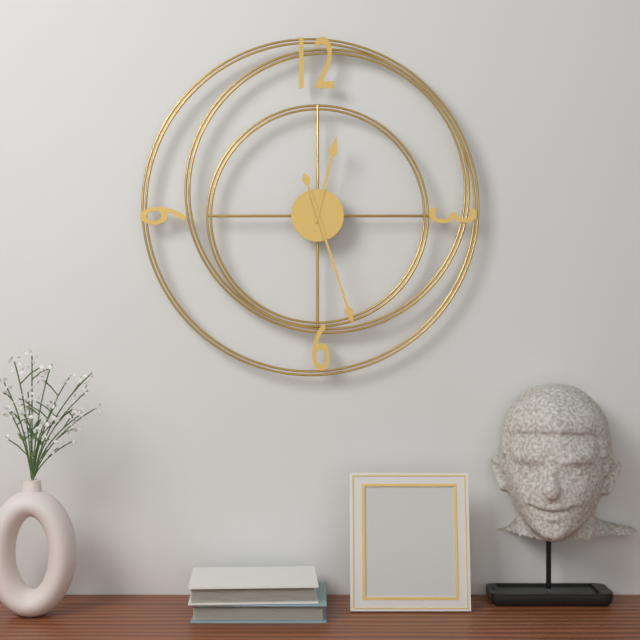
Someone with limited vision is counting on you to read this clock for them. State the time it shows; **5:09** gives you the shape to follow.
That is **12:27**
